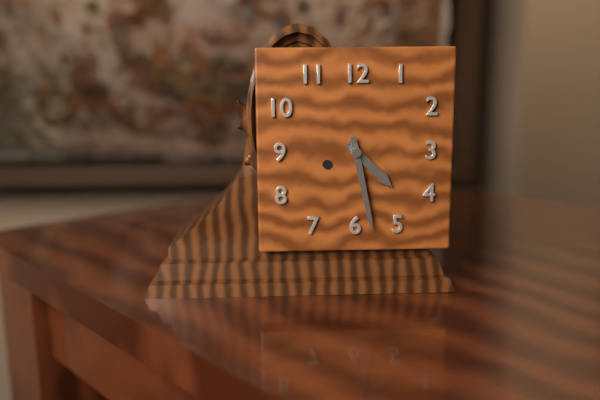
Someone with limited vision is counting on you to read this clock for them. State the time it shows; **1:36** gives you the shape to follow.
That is **4:28**
